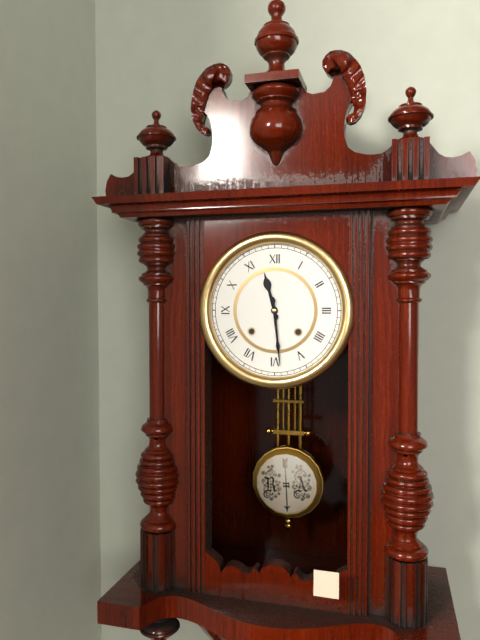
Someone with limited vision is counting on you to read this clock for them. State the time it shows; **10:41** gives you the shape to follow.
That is **11:29**
